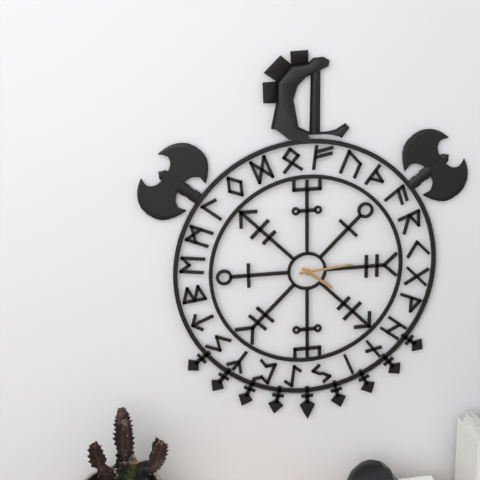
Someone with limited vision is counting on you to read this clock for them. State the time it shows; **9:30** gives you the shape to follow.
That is **4:14**
